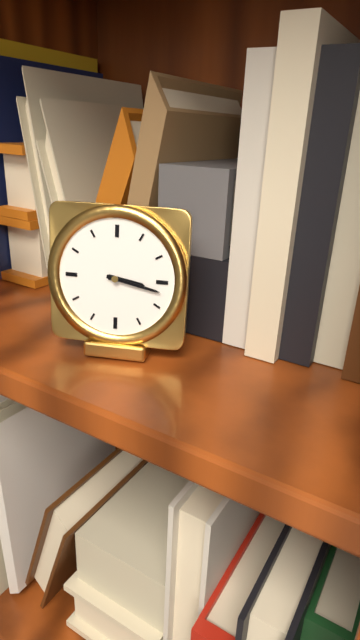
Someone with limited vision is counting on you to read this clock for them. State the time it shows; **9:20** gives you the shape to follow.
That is **3:17**
